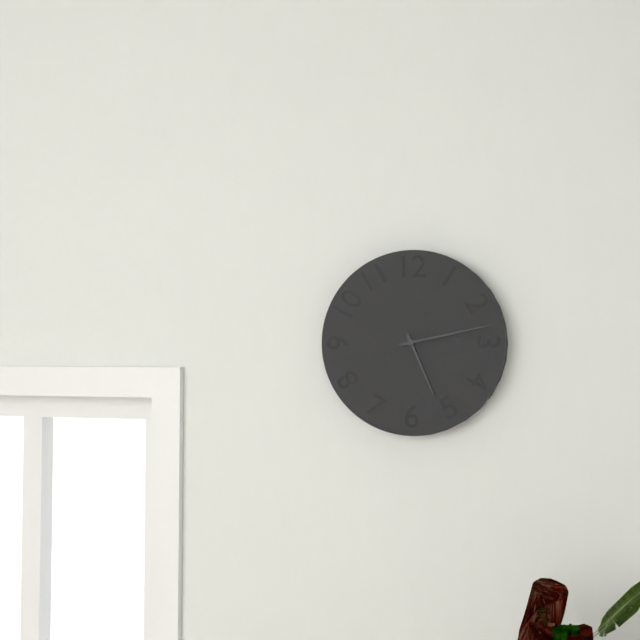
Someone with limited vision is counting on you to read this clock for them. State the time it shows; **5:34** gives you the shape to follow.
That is **5:13**
